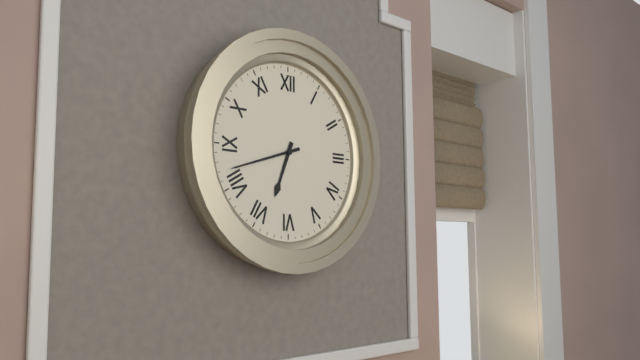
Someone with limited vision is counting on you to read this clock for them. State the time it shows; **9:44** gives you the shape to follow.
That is **6:42**
